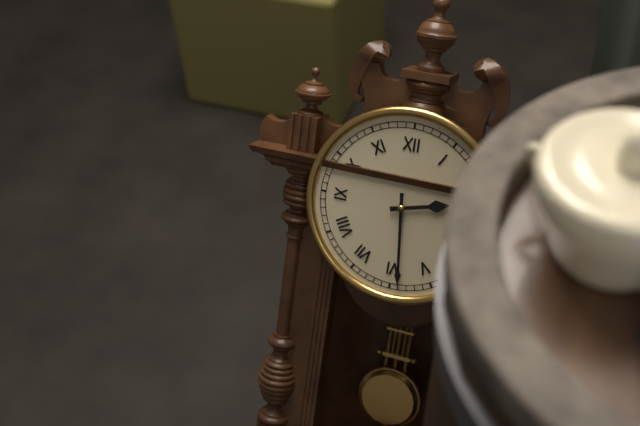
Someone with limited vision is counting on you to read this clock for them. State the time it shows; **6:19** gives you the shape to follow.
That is **2:29**
